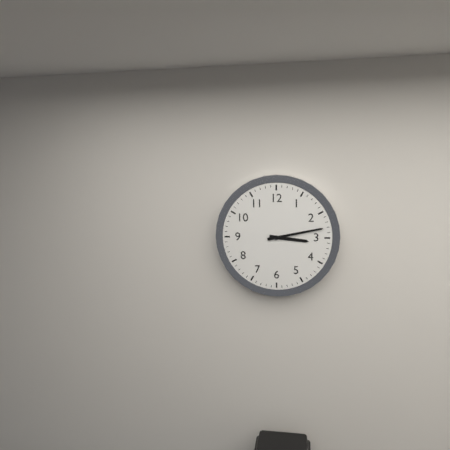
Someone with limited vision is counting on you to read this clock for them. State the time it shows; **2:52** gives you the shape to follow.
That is **3:13**
